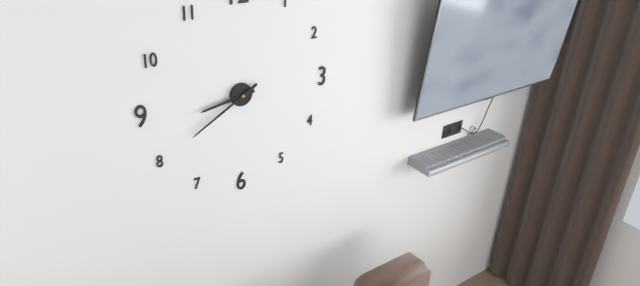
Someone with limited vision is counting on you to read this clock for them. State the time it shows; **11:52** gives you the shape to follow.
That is **8:40**
